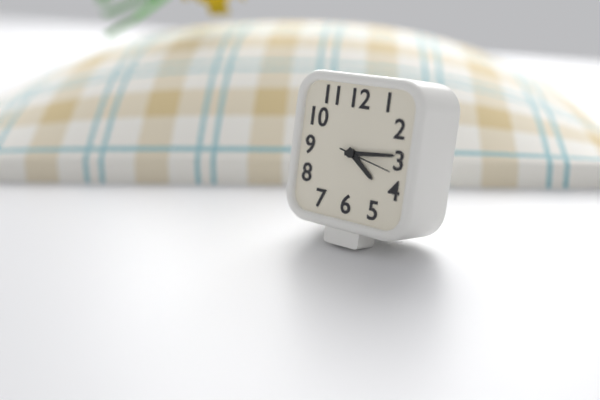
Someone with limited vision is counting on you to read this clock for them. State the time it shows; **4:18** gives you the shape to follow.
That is **4:14**
